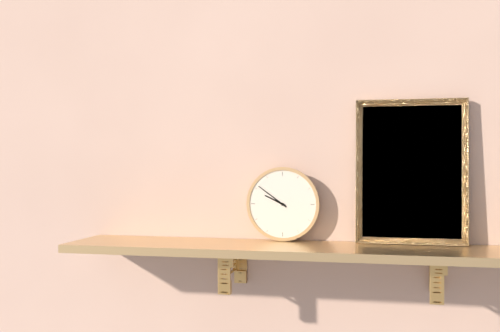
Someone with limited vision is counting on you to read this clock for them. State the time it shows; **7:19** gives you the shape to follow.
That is **9:51**
